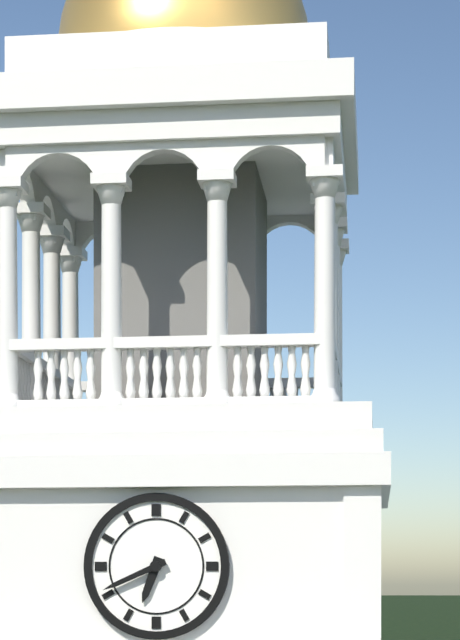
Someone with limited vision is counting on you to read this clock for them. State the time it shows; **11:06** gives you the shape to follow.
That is **6:41**
